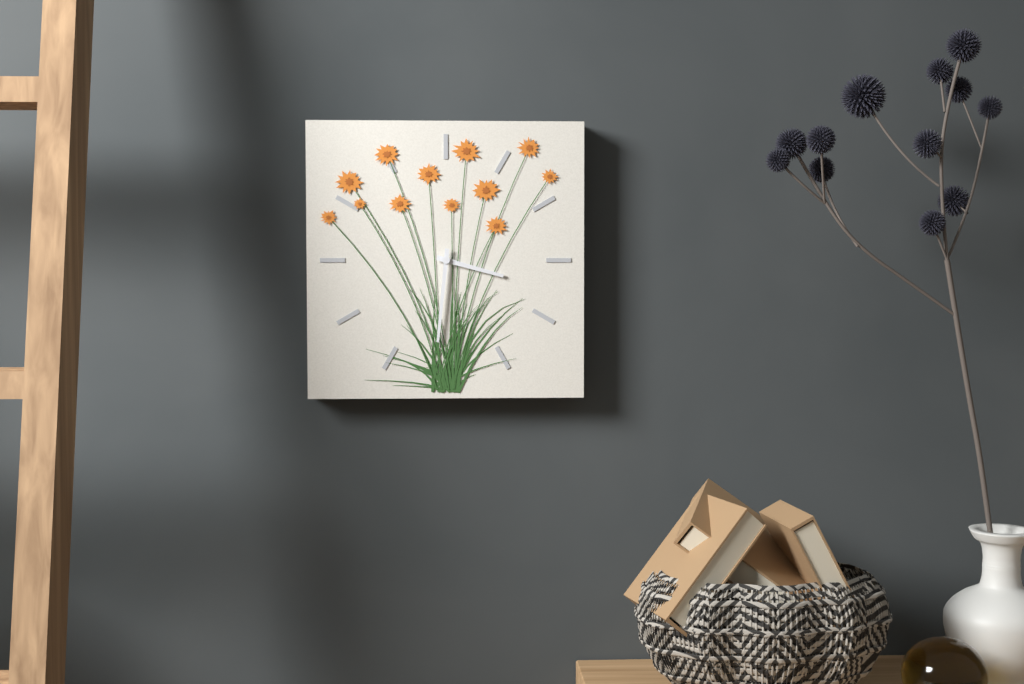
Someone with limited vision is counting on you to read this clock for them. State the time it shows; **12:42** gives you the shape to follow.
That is **3:31**
